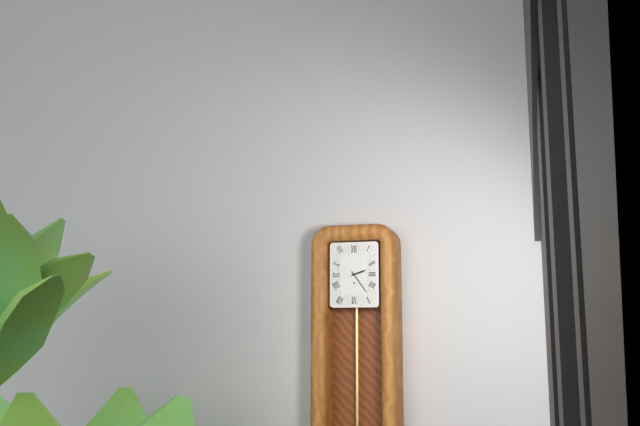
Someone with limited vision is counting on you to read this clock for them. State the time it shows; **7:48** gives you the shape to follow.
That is **2:24**
